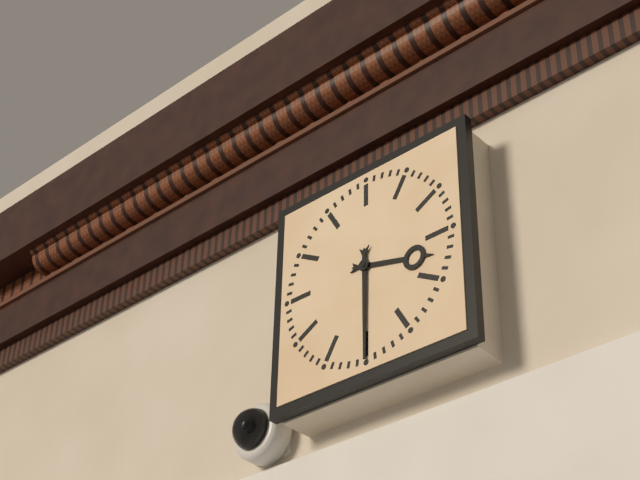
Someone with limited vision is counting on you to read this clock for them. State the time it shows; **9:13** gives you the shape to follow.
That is **3:30**
